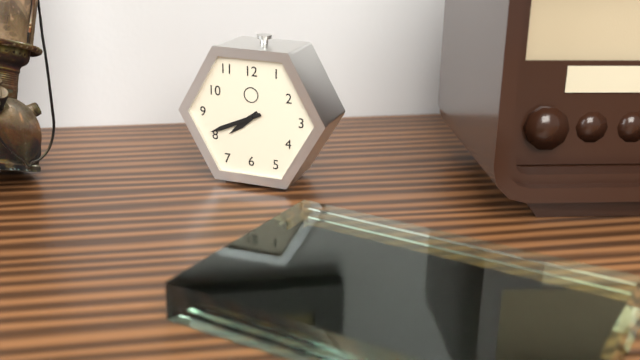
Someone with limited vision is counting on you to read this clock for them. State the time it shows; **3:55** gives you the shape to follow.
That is **7:41**
